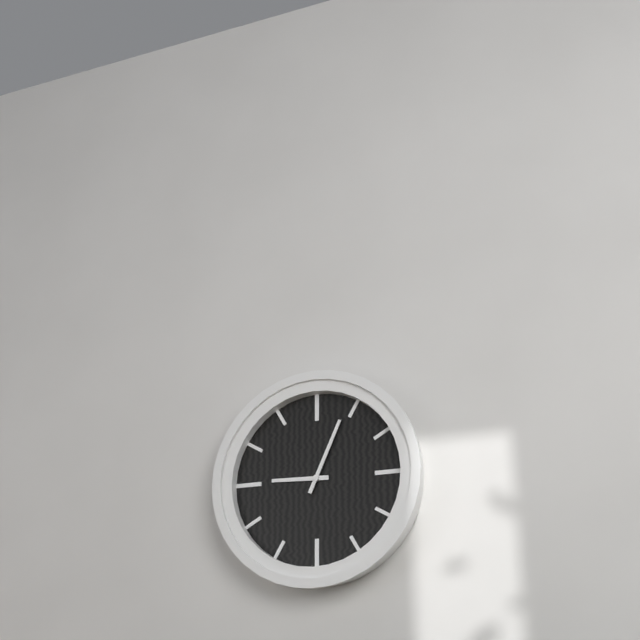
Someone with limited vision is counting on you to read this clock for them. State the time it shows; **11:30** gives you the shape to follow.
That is **9:04**
